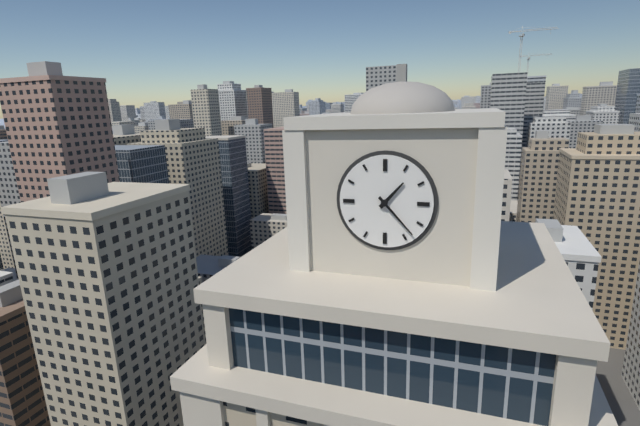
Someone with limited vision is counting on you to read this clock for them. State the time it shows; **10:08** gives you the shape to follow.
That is **1:23**
